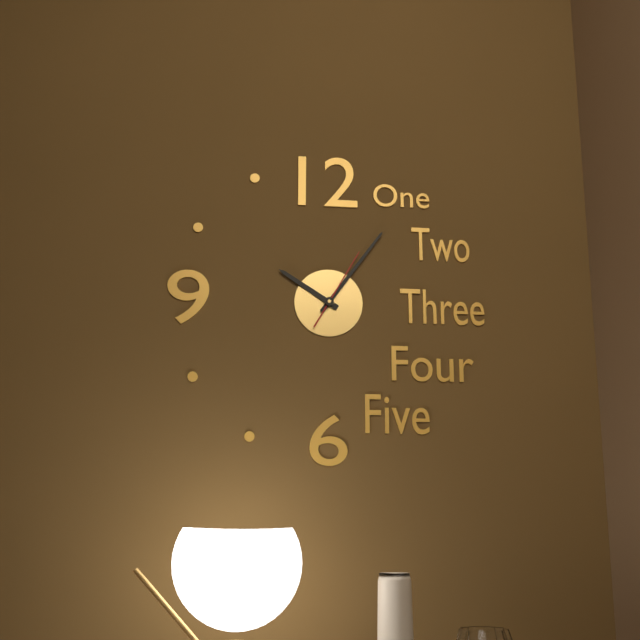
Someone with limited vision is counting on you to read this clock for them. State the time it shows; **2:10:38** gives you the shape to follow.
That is **10:06:05**
